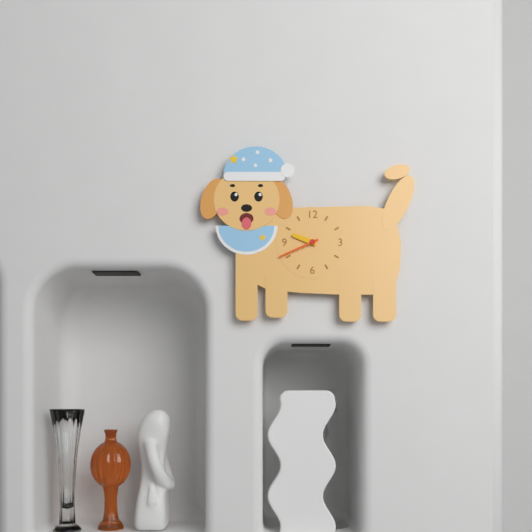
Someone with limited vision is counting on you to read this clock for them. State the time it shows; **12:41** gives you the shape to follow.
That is **9:41**
